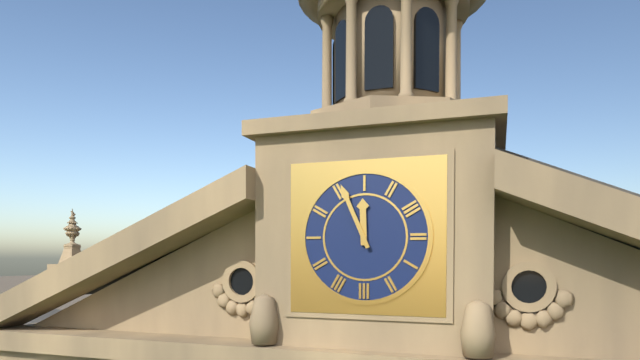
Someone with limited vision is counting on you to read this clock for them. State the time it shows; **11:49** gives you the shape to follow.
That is **11:56**
